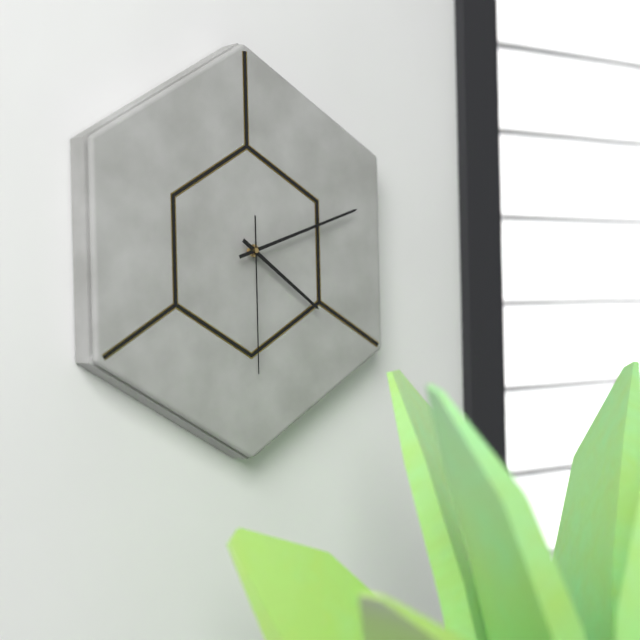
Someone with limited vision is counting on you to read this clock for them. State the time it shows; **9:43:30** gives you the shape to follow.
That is **4:12:30**
